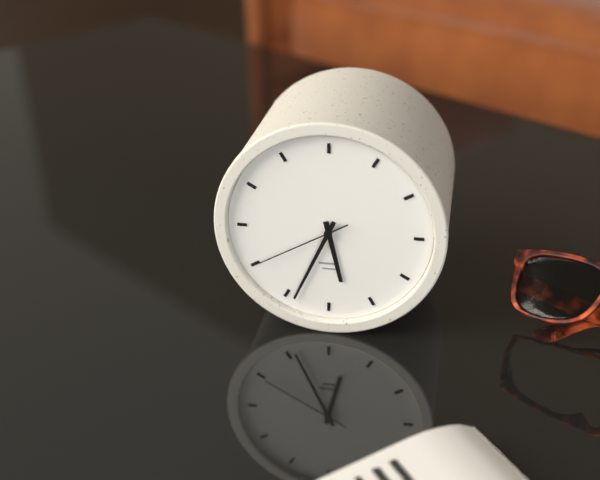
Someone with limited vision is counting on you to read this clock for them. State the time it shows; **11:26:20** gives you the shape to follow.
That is **5:34:40**
